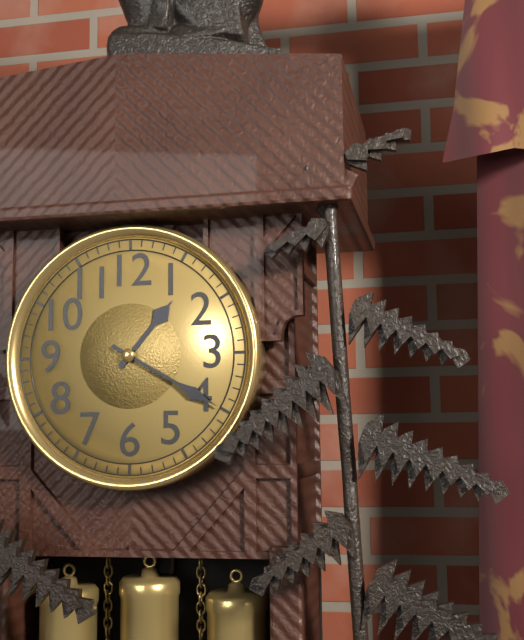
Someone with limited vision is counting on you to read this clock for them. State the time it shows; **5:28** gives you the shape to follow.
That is **1:20**
